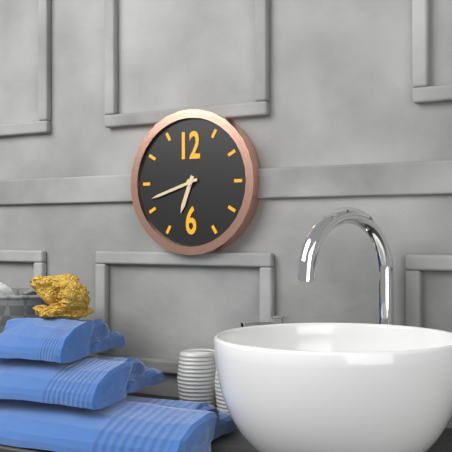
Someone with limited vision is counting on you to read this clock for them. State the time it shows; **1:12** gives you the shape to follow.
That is **6:42**
